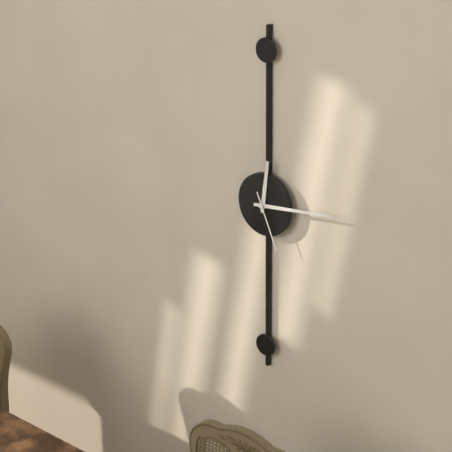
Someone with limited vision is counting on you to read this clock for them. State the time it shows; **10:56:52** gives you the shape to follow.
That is **12:14:26**
